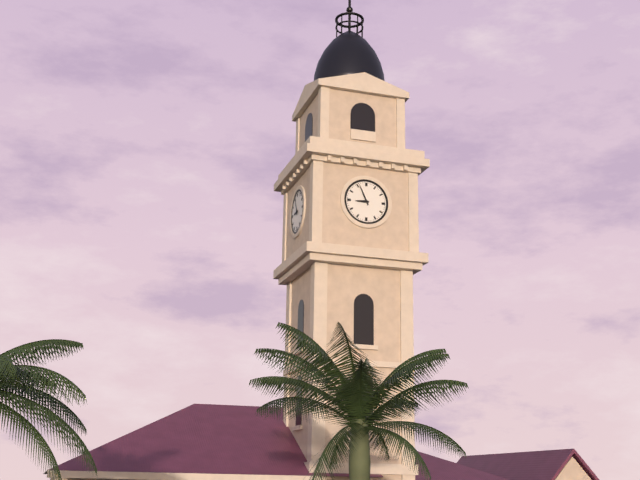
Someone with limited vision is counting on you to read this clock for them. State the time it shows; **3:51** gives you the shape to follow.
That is **8:56**
